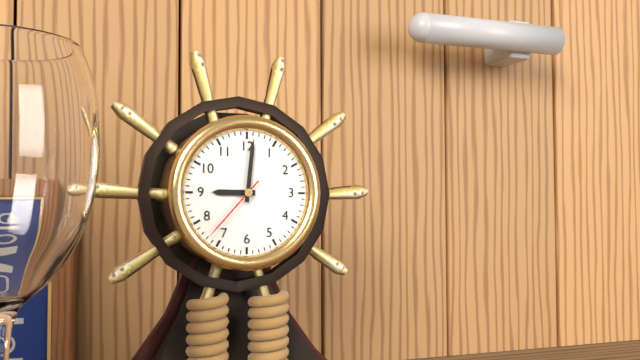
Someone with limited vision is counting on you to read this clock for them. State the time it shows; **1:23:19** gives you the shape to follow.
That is **9:01:37**
